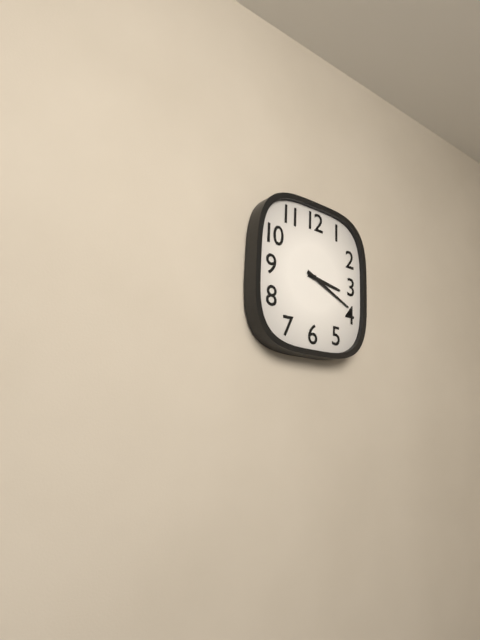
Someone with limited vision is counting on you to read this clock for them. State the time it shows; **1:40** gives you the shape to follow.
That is **3:19**
